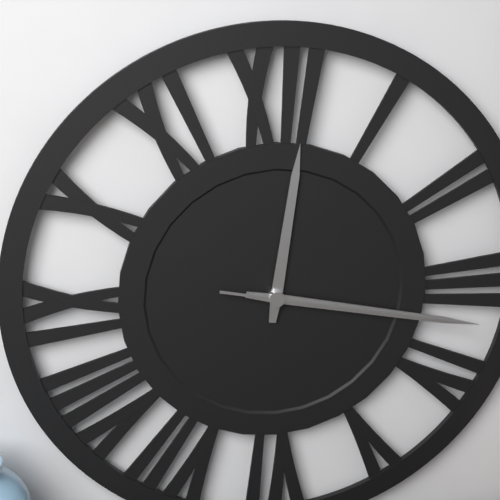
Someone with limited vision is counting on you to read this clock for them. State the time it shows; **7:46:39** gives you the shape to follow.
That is **12:17:17**
